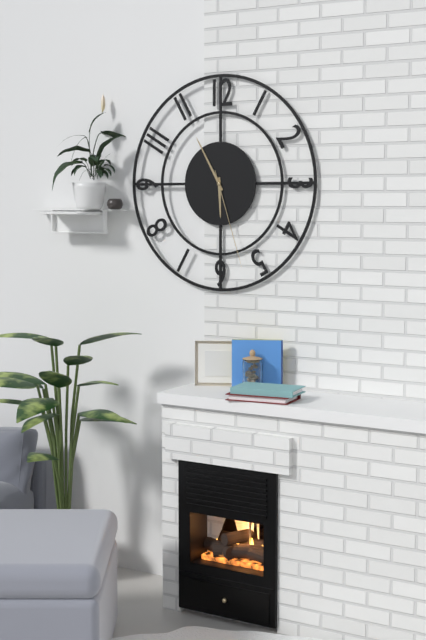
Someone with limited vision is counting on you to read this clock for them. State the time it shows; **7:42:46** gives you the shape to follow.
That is **5:55:27**
